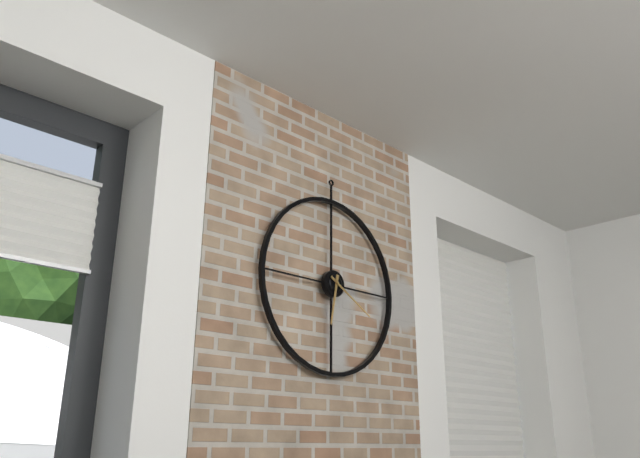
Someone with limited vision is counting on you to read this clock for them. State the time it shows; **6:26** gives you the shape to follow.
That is **6:20**
